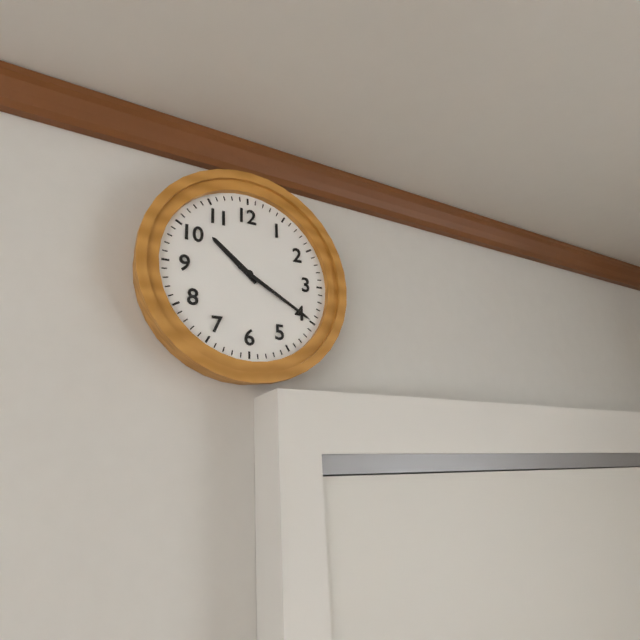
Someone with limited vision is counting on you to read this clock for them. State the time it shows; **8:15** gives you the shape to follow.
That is **10:20**
